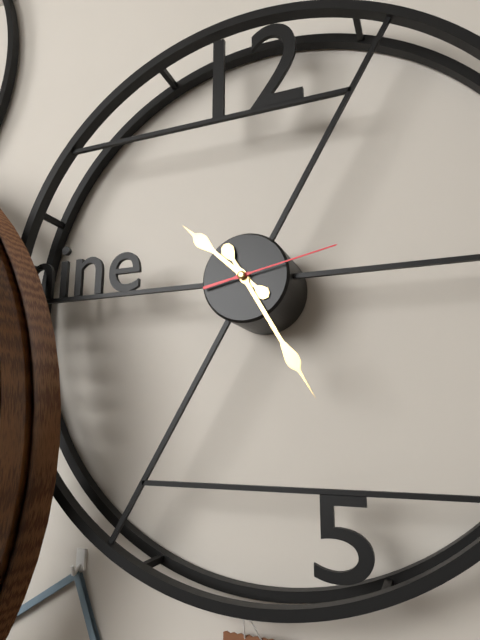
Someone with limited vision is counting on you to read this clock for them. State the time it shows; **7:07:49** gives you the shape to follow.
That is **10:25:13**
